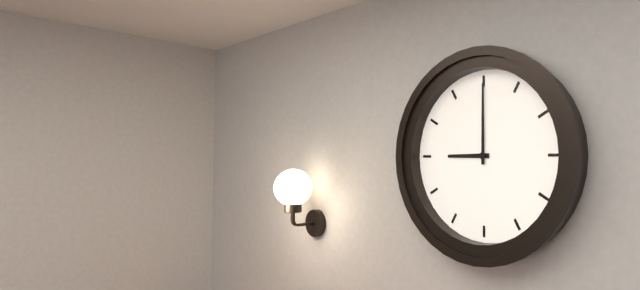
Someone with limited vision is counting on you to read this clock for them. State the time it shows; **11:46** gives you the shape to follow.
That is **9:00**
